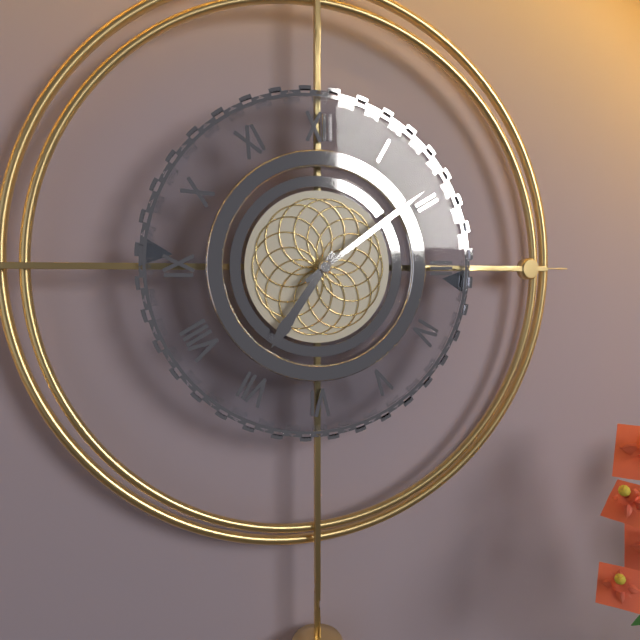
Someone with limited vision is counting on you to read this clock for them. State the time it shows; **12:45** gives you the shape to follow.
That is **7:09**
